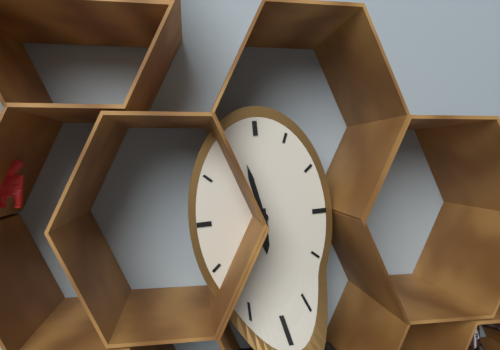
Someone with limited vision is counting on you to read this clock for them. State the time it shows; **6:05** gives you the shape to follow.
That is **5:58**
